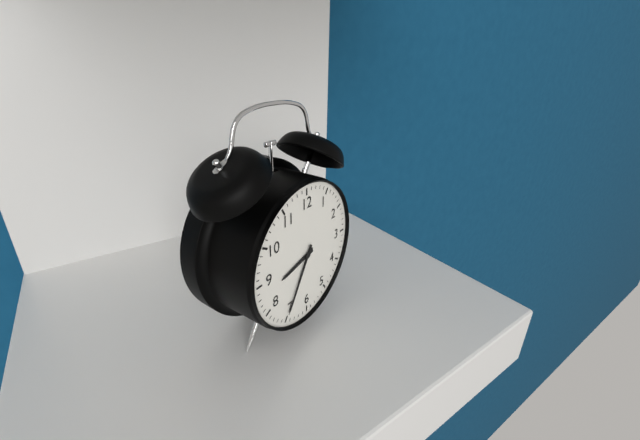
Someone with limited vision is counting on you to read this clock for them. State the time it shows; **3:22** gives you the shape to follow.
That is **8:35**
